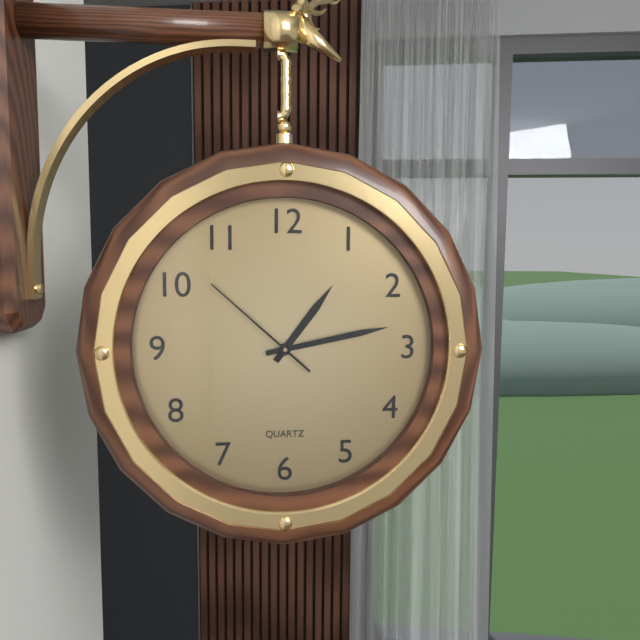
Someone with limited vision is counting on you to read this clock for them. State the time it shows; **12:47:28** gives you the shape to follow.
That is **1:13:52**
